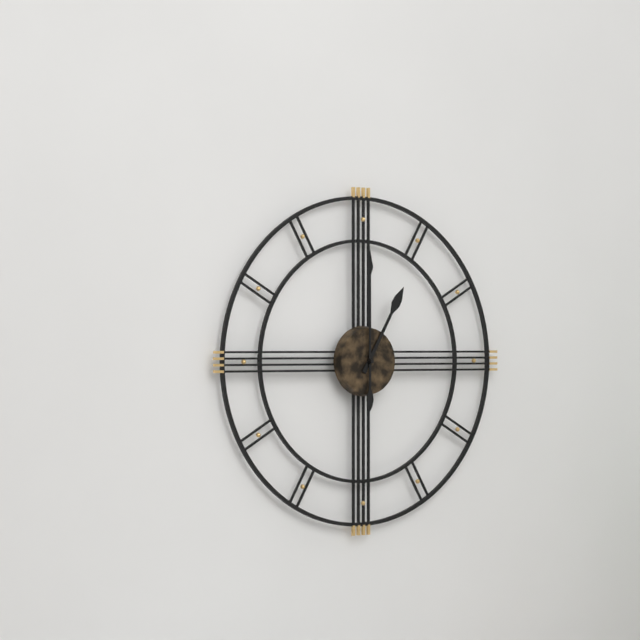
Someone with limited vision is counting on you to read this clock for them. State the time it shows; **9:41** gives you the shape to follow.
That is **1:00**
